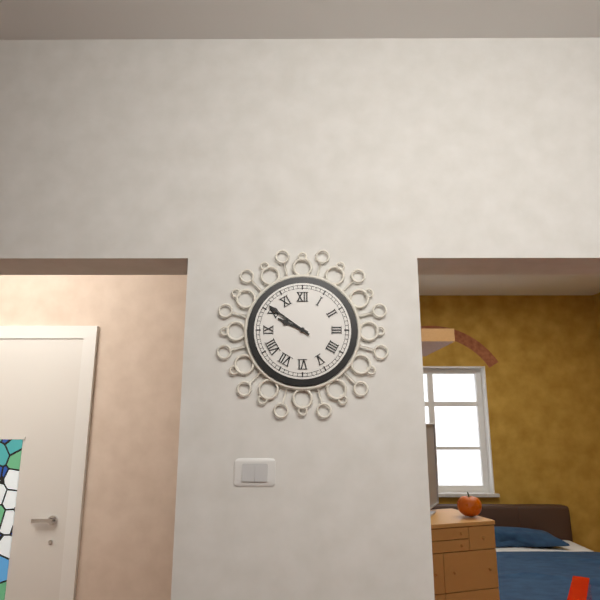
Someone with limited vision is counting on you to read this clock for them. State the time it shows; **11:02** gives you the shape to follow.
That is **9:51**
